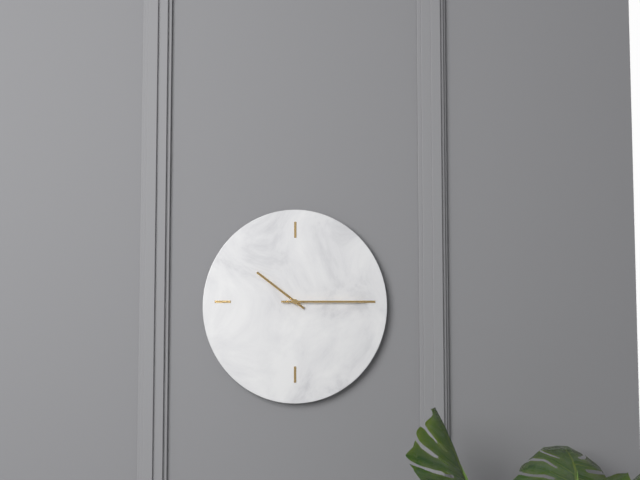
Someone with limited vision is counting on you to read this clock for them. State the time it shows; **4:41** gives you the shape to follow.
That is **10:15**
